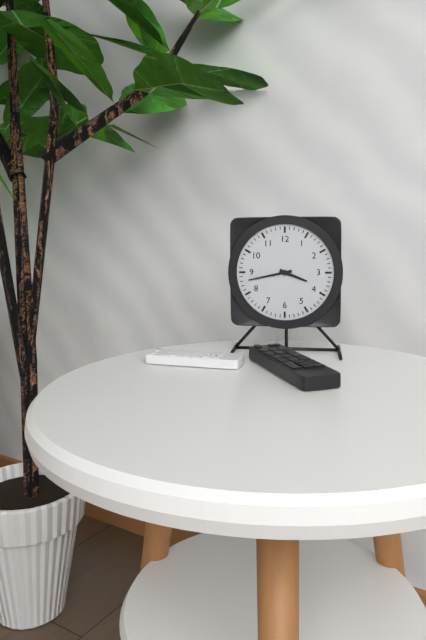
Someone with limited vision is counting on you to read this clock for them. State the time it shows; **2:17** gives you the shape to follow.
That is **3:43**
